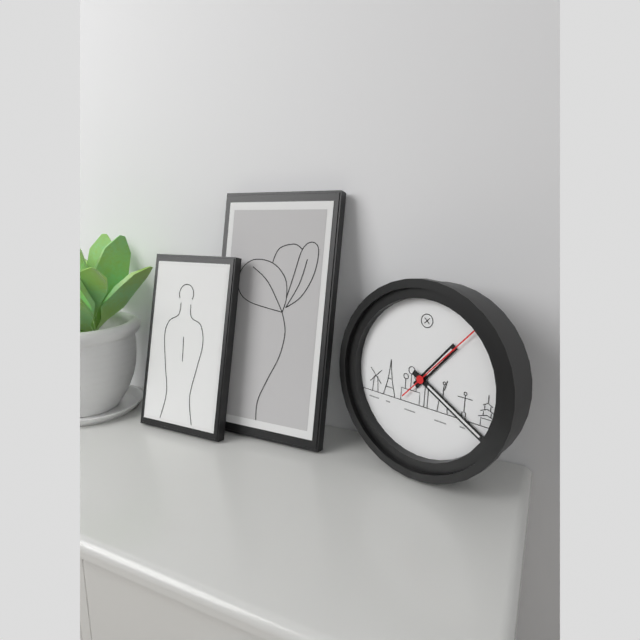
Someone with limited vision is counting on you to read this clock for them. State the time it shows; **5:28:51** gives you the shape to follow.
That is **1:20:07**
